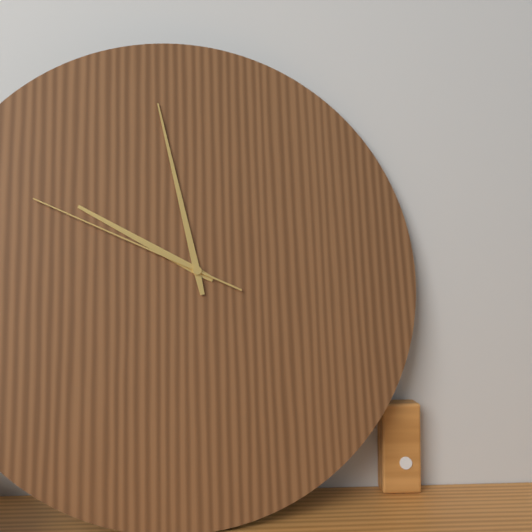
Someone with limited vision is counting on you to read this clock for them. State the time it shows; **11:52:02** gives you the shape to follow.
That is **9:58:49**
